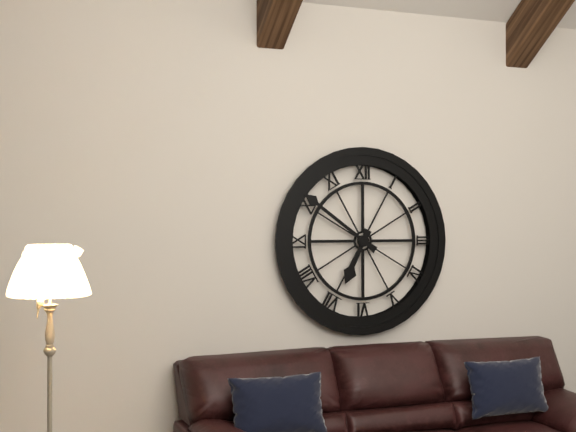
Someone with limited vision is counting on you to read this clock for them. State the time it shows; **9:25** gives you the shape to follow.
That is **6:51**
